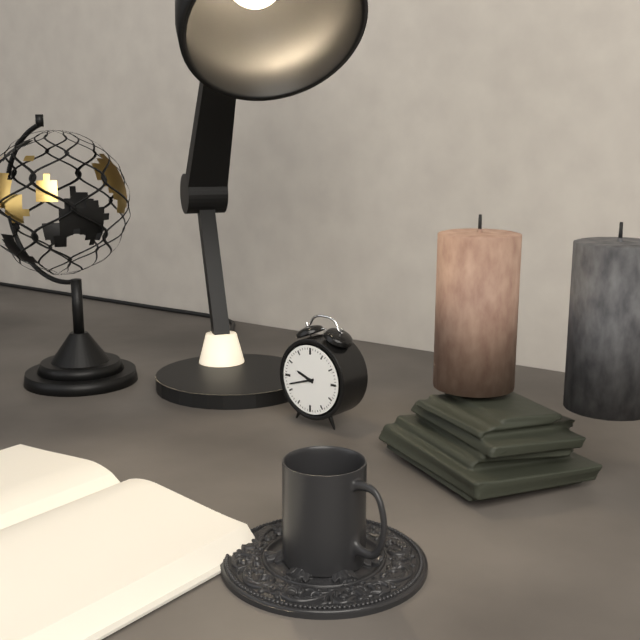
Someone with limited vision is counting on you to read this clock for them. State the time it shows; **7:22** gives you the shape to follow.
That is **9:42**
